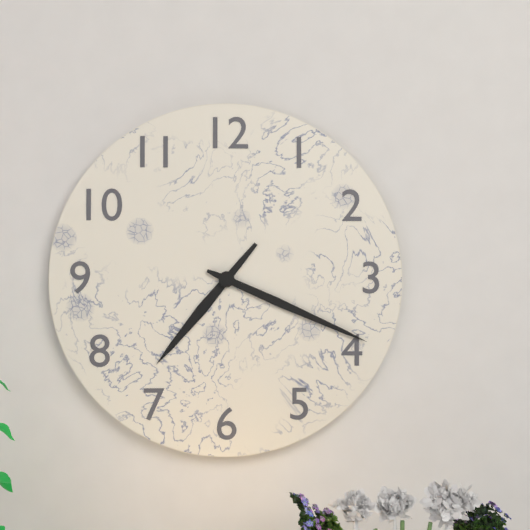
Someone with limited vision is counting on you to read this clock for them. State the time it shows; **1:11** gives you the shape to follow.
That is **7:19**
